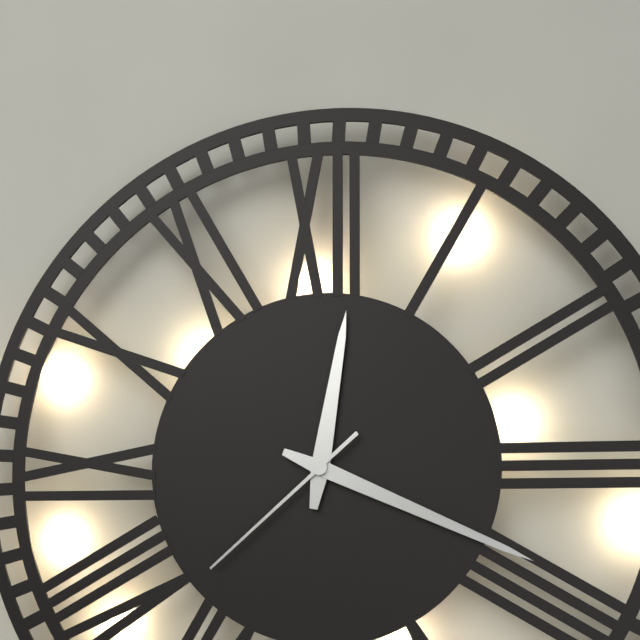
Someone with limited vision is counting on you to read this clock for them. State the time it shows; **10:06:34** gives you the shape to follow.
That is **12:19:38**
